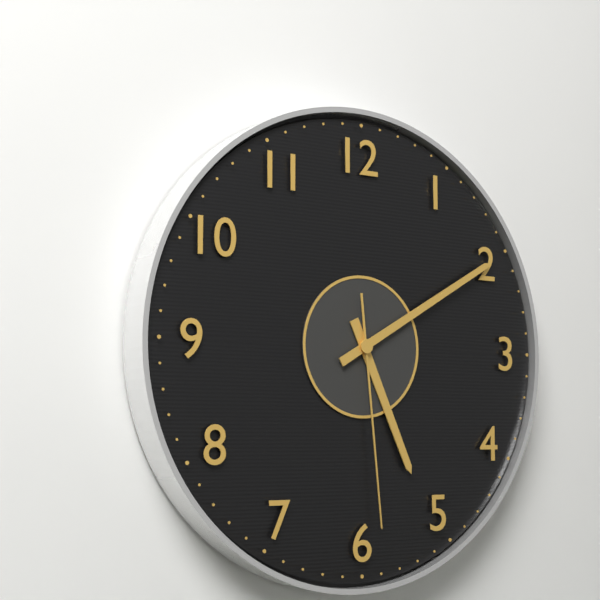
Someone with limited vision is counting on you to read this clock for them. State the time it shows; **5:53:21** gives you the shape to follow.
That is **5:10:29**
